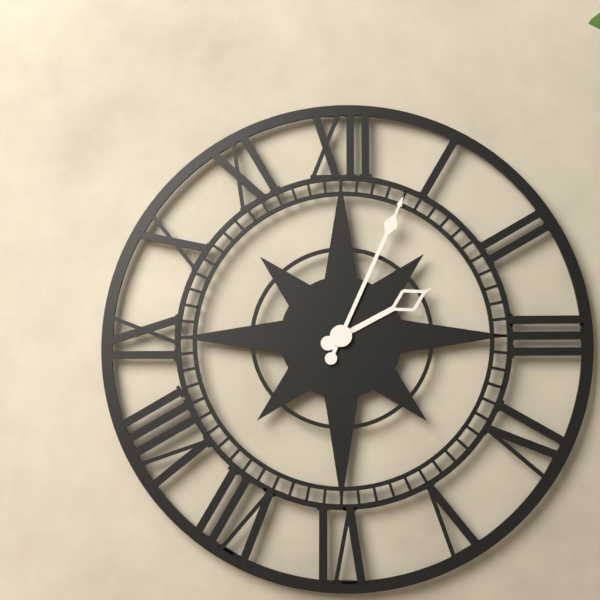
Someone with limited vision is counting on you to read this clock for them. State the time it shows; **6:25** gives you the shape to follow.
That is **2:04**
